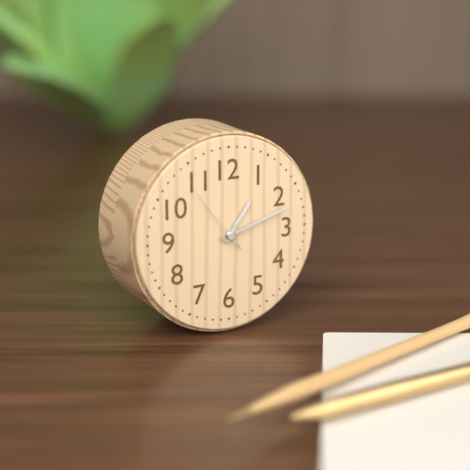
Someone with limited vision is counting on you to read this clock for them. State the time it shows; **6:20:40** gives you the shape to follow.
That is **1:12:54**
